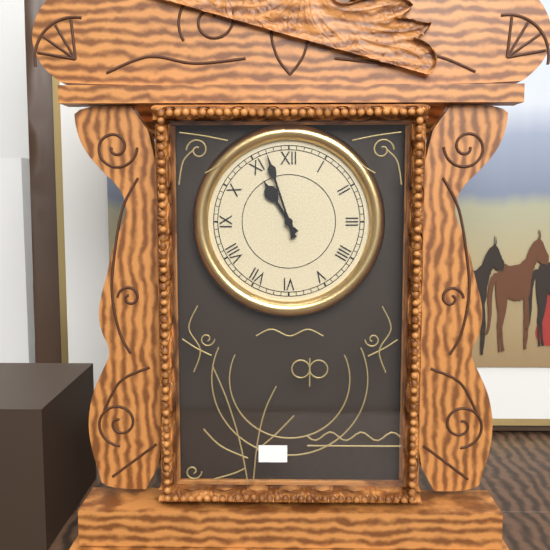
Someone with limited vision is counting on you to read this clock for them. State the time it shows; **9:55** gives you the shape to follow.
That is **10:57**
